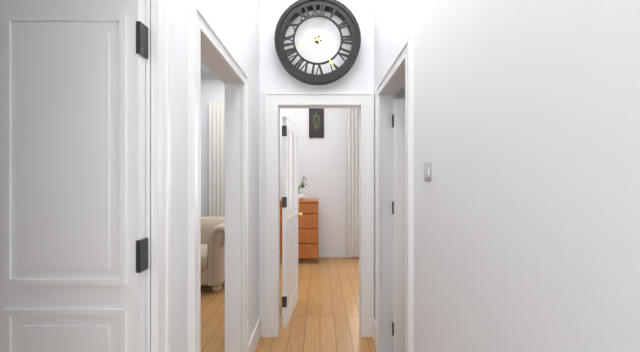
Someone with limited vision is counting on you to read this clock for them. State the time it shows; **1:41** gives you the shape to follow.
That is **8:25**
